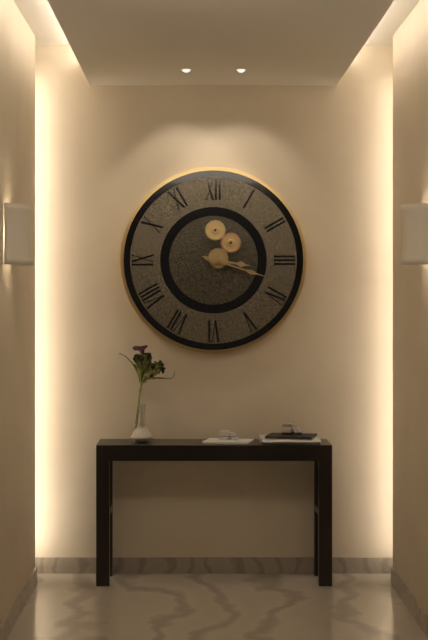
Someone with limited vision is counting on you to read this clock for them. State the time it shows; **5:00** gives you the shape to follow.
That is **3:18**
